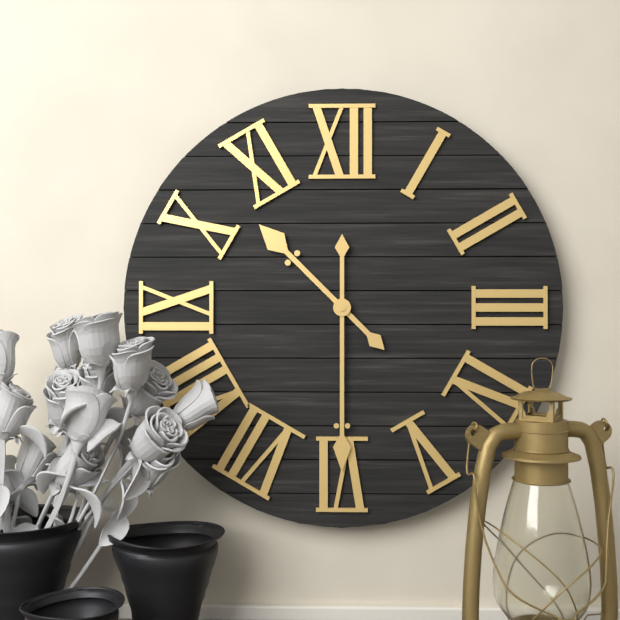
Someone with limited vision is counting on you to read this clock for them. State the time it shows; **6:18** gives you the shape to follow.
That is **10:30**
